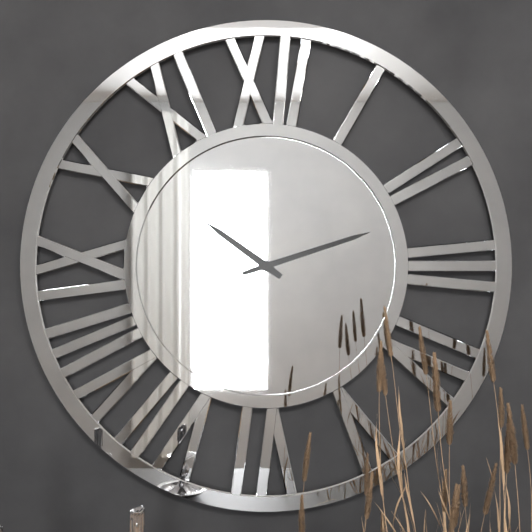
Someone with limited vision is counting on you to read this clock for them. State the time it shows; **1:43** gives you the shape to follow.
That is **10:12**
